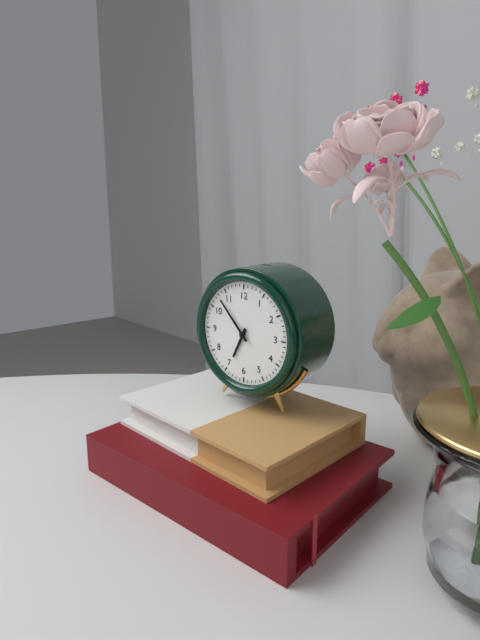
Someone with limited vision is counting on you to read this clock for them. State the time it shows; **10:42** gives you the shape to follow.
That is **6:53**
